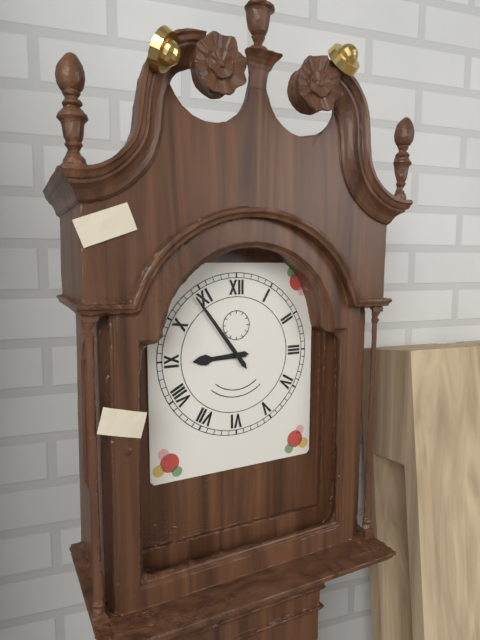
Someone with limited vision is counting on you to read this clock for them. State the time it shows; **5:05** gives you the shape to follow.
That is **8:54**
